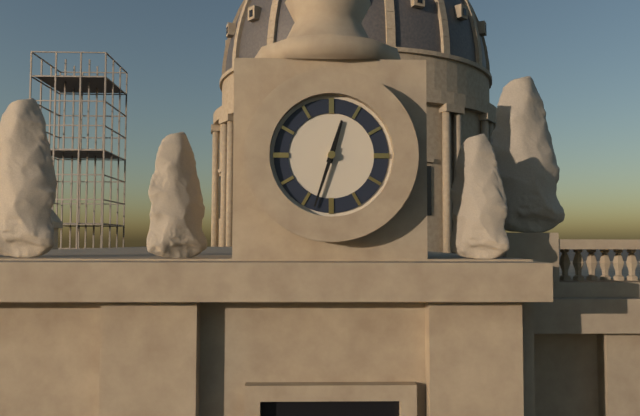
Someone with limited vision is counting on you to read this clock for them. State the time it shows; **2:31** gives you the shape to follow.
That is **12:33**
